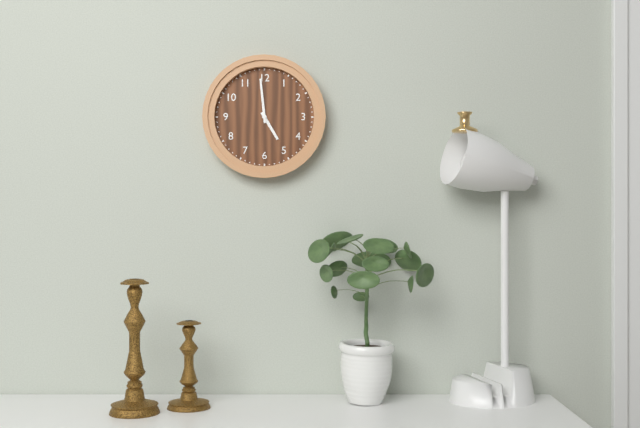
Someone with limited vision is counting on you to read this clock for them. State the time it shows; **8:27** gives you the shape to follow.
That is **4:59**
